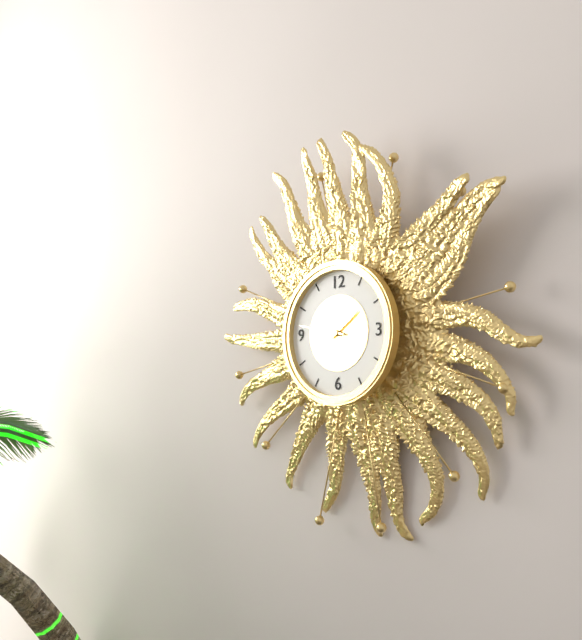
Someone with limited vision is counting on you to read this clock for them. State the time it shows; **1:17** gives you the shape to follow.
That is **1:47**
